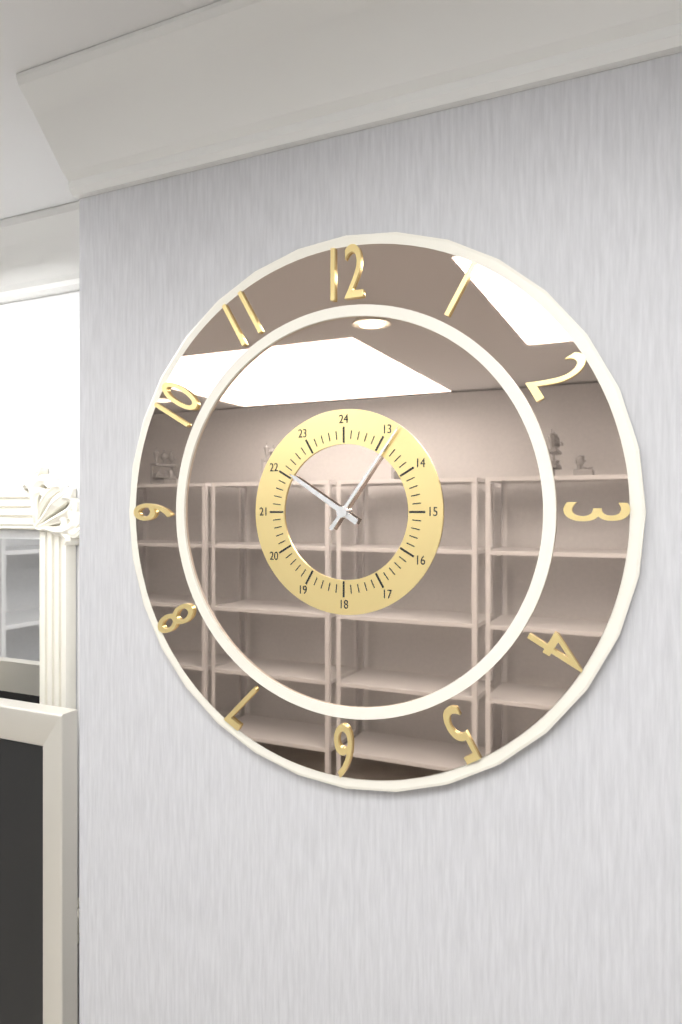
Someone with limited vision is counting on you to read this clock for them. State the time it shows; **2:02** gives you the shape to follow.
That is **10:06**
